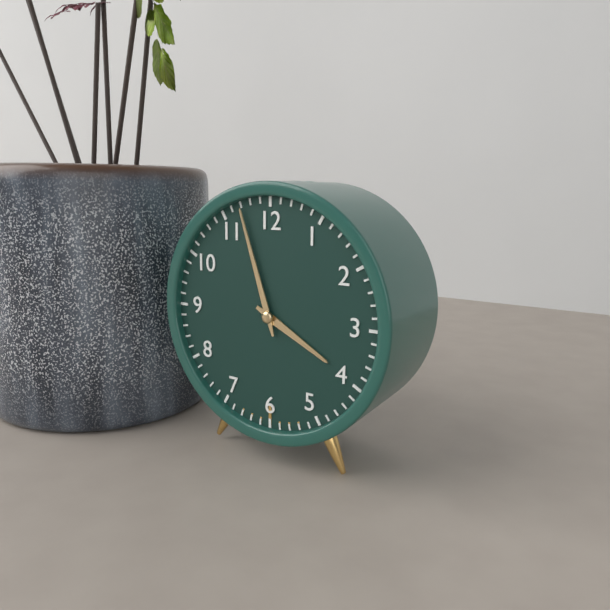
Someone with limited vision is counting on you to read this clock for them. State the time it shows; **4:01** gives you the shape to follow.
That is **3:57**
